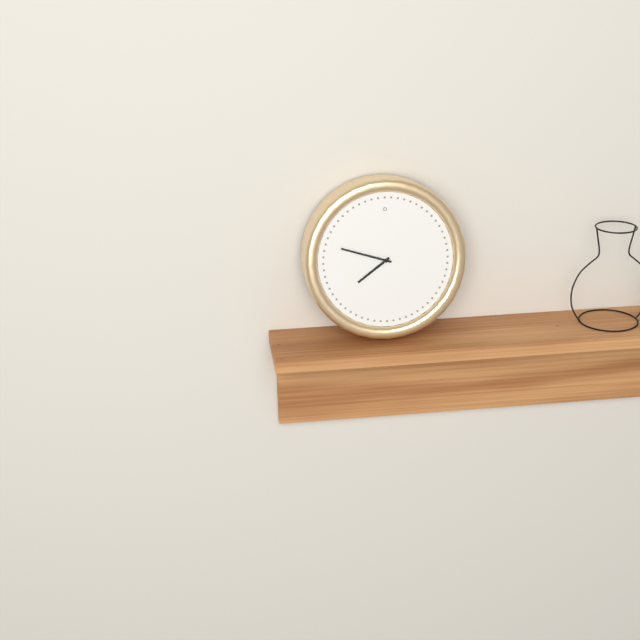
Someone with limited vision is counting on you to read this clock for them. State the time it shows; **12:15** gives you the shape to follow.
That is **7:48**
